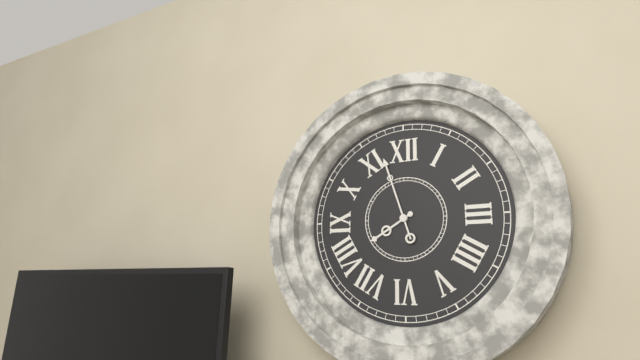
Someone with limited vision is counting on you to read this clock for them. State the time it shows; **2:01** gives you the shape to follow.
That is **7:57**
